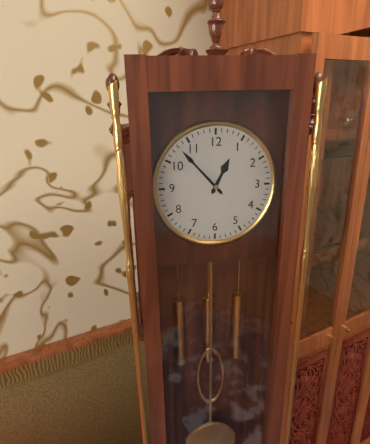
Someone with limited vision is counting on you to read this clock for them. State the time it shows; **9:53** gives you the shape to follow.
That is **12:53**
